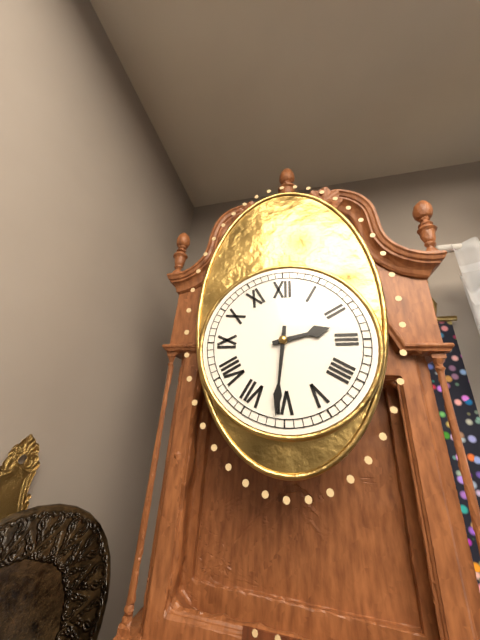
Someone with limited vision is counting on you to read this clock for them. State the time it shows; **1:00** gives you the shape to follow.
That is **2:31**
